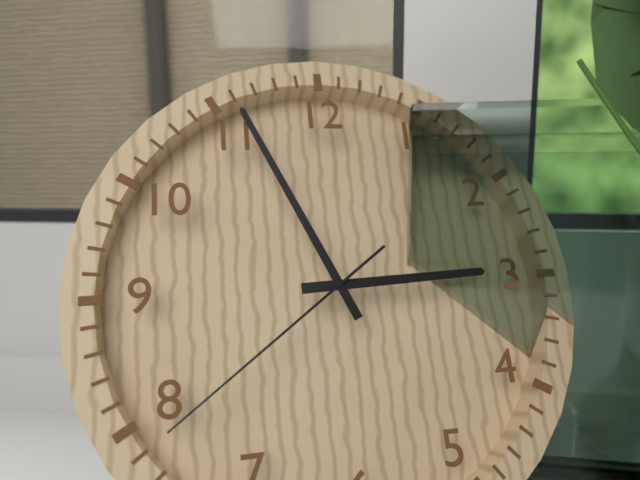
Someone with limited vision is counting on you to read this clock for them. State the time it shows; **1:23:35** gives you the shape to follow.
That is **2:56:39**
